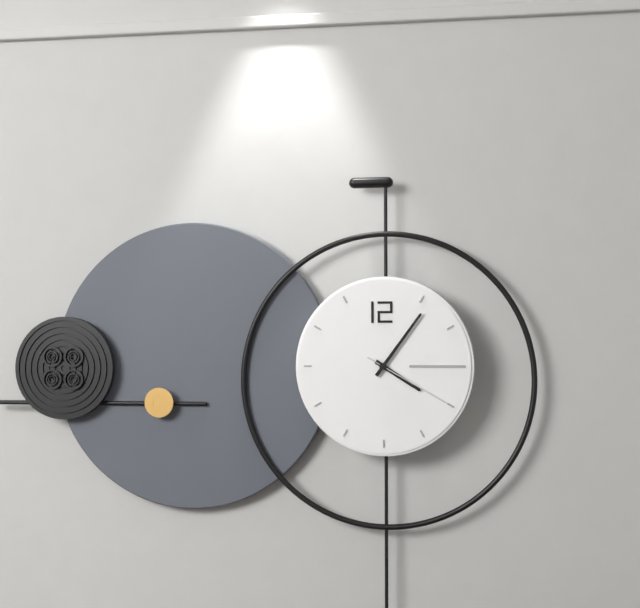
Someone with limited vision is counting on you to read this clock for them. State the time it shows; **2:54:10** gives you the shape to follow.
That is **4:06:20**
